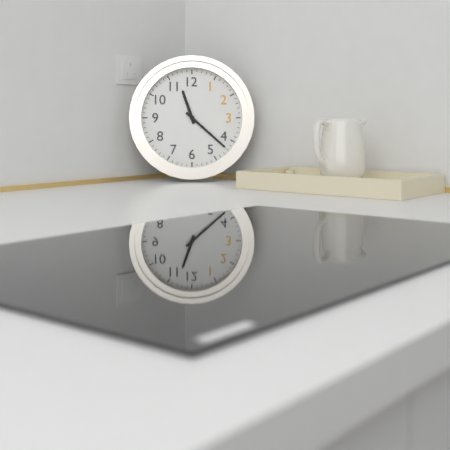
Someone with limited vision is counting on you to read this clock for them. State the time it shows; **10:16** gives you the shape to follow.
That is **11:22**
